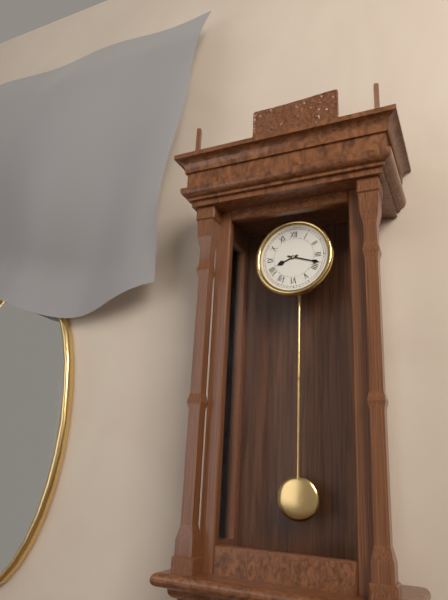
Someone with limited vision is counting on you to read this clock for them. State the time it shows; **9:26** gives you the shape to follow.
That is **8:18**
